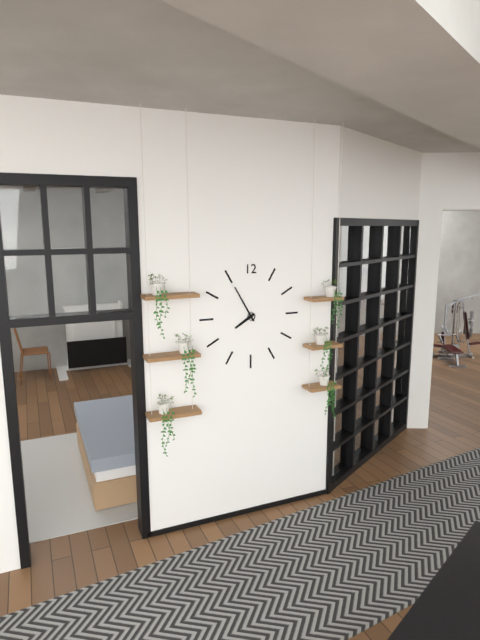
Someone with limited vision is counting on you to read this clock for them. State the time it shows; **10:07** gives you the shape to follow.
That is **7:55**
